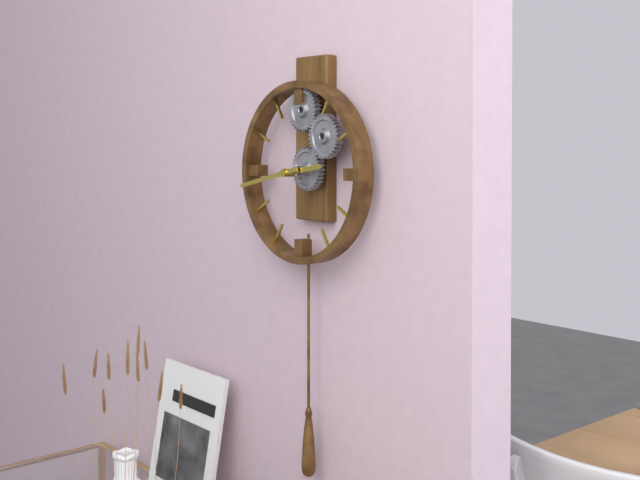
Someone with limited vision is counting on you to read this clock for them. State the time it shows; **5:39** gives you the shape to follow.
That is **2:43**
